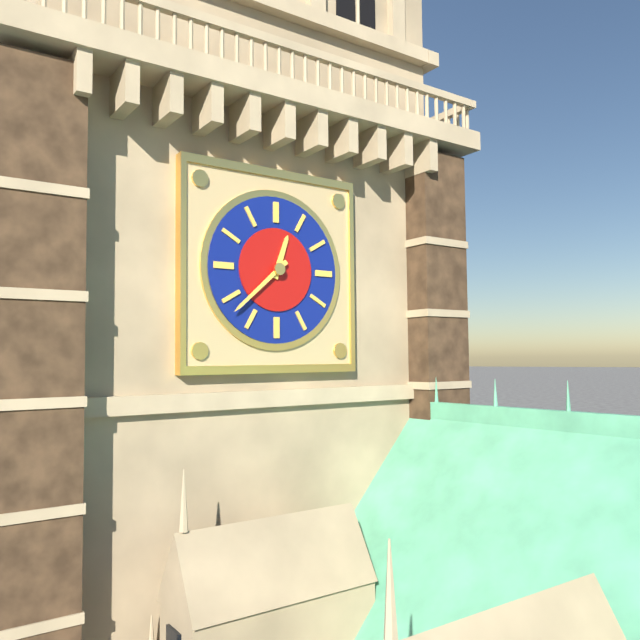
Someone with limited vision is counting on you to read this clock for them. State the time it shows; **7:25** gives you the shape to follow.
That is **12:38**
